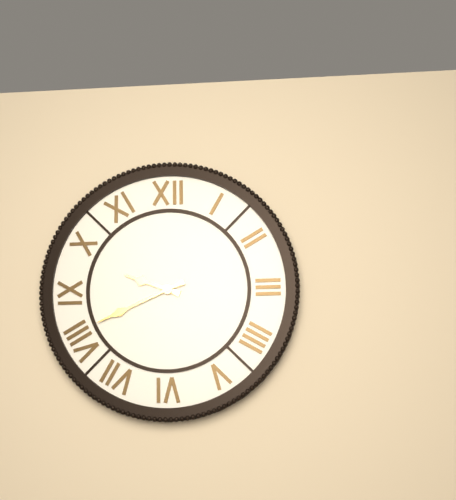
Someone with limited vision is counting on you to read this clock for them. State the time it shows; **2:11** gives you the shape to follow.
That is **9:41**
